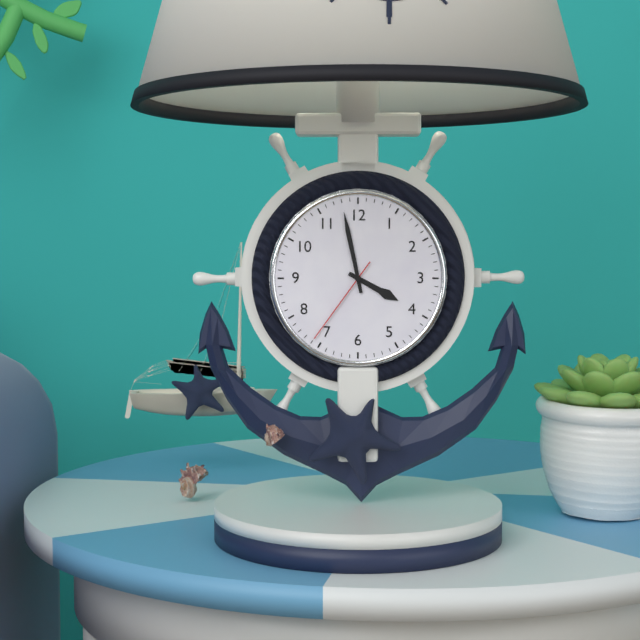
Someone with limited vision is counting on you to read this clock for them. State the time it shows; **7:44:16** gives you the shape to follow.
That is **3:58:36**
